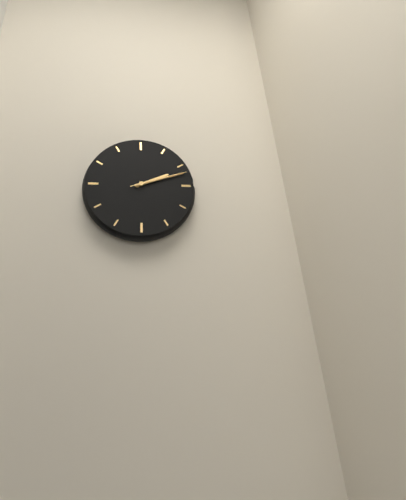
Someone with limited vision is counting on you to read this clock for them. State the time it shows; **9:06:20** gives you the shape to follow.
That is **2:12:12**
